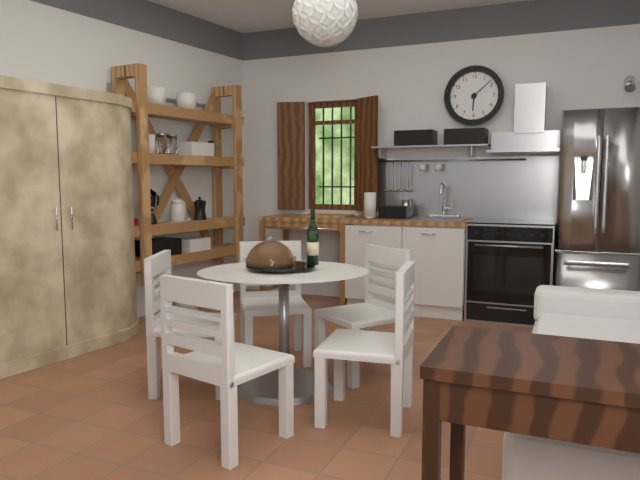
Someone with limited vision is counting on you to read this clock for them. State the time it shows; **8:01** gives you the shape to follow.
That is **6:08**
